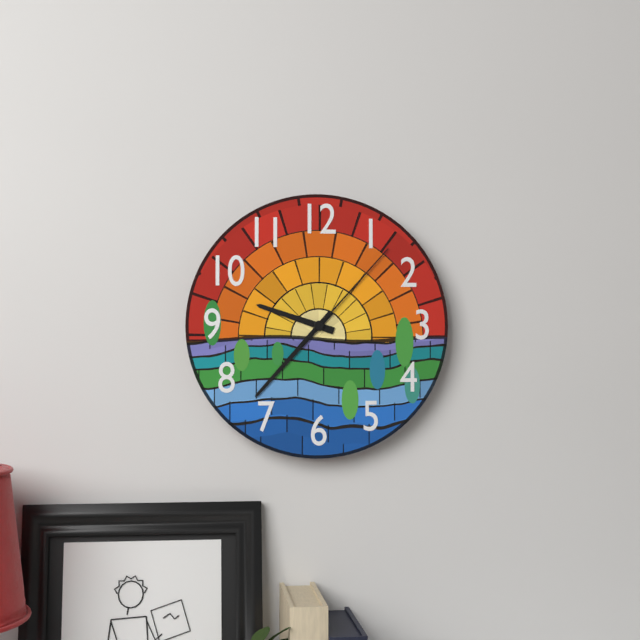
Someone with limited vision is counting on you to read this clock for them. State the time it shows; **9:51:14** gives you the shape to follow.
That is **9:37:07**
